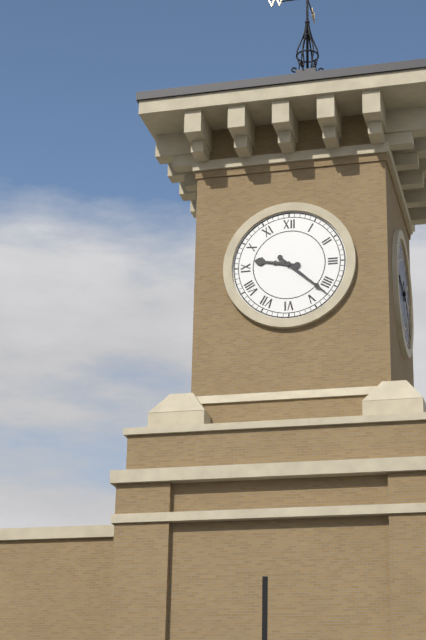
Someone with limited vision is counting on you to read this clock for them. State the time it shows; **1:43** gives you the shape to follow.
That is **9:22**
